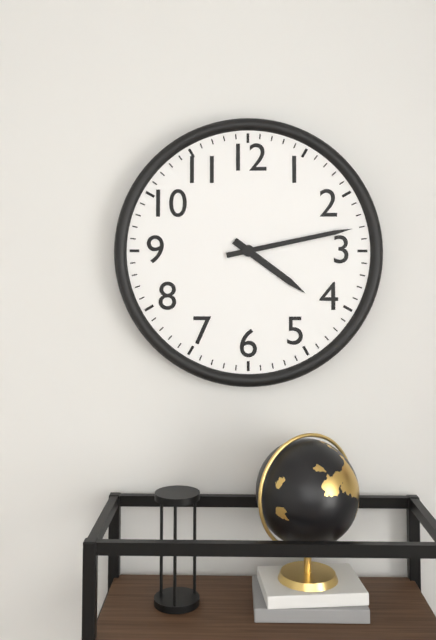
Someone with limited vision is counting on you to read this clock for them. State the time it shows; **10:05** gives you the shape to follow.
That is **4:13**
